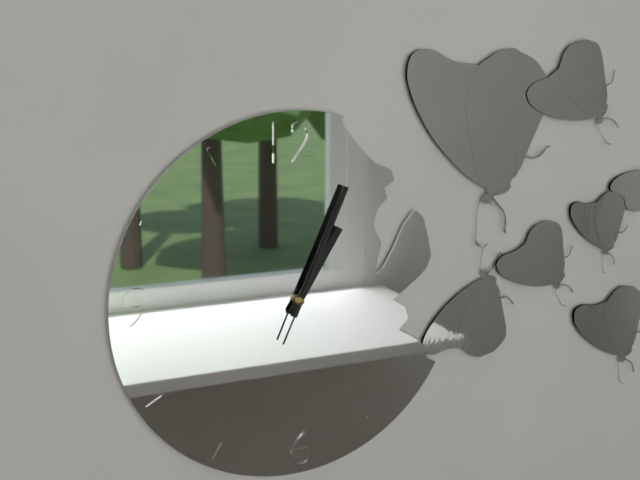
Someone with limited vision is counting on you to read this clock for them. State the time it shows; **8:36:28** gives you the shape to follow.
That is **1:04:04**
